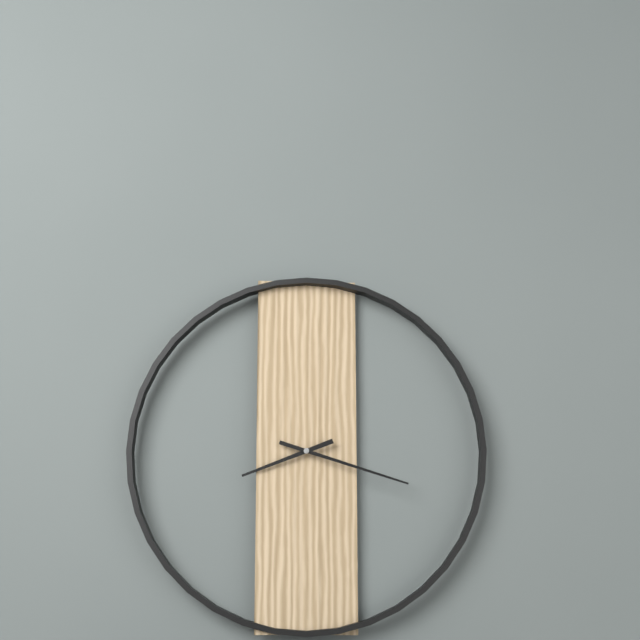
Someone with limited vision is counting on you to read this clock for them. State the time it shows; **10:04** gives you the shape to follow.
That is **8:18**
